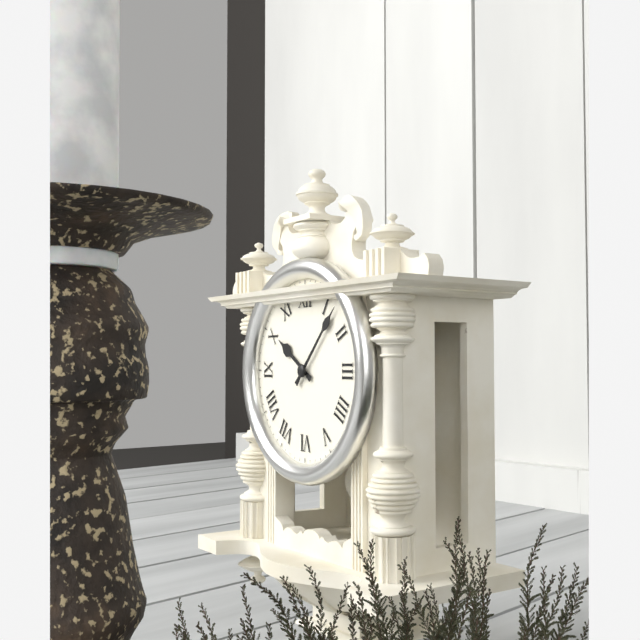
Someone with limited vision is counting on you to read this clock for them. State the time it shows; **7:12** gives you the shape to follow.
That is **10:07**
